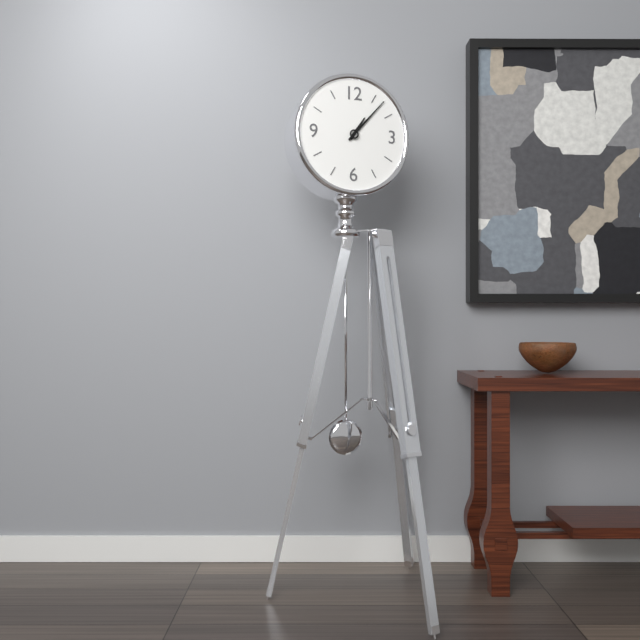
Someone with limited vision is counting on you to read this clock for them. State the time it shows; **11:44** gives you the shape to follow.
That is **1:07**
